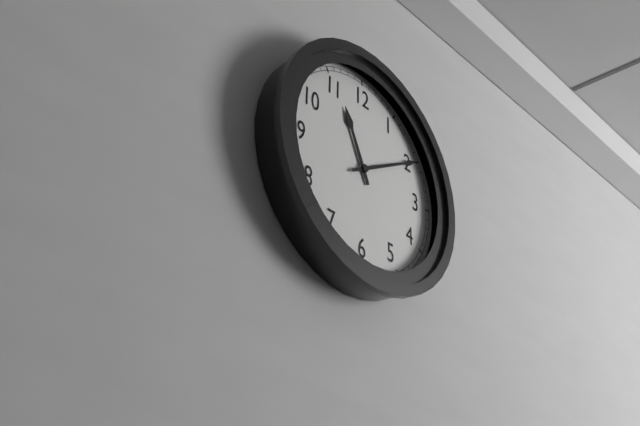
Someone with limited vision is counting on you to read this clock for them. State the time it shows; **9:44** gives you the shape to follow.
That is **11:10**
